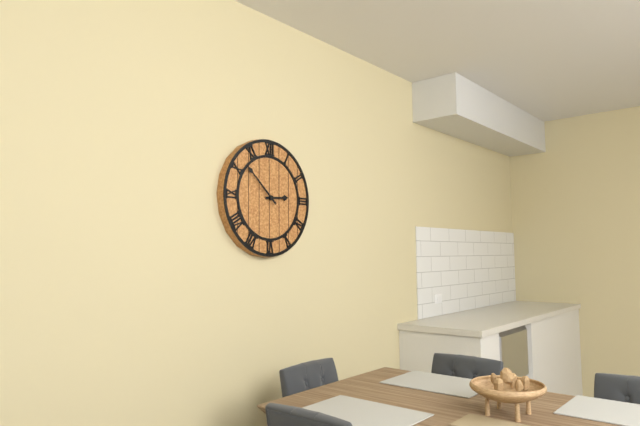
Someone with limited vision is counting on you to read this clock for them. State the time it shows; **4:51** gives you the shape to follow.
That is **2:52**
